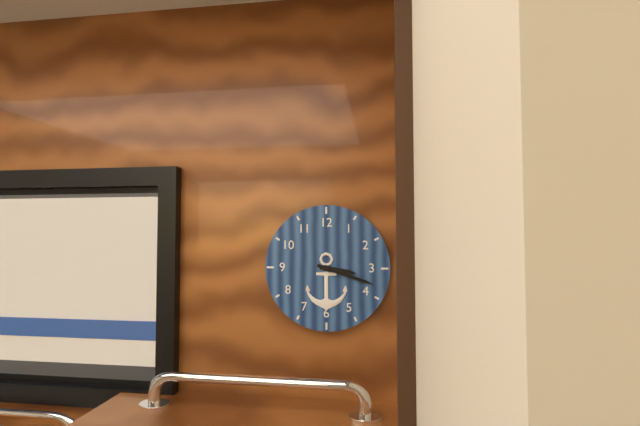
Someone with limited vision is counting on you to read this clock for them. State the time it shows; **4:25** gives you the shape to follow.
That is **3:18**
